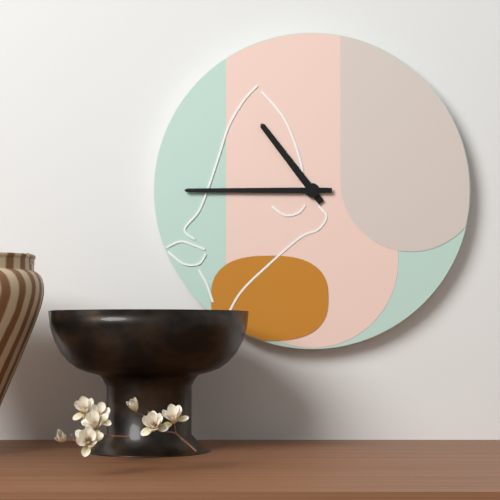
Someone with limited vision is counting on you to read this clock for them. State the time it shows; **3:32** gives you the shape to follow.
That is **10:45**
